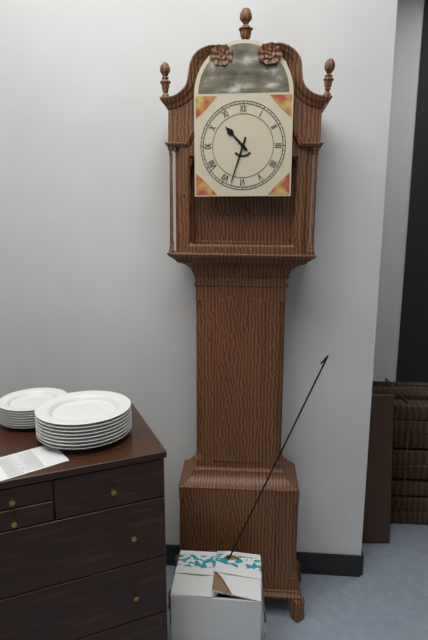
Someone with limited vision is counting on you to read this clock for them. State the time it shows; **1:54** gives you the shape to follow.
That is **10:33**
